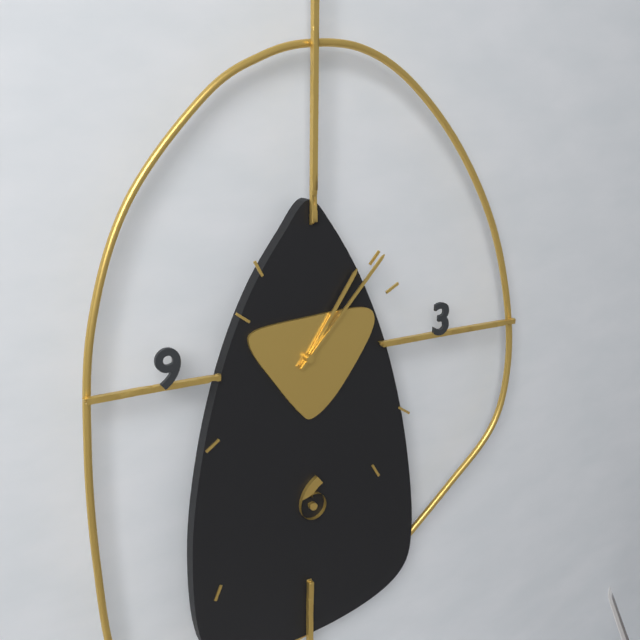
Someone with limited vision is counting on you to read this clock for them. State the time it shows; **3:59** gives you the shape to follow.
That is **1:07**
